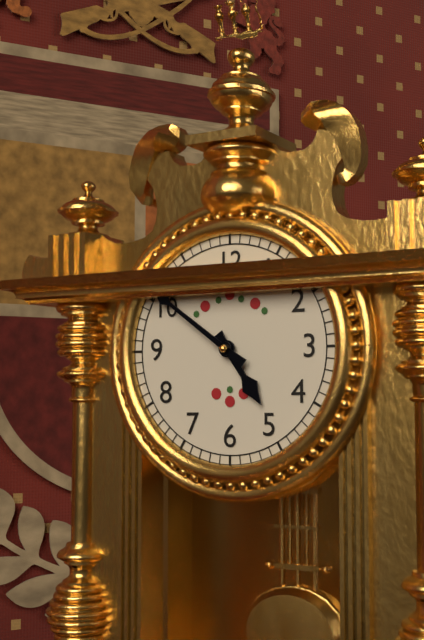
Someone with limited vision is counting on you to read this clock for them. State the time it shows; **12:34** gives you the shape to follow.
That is **4:51**
